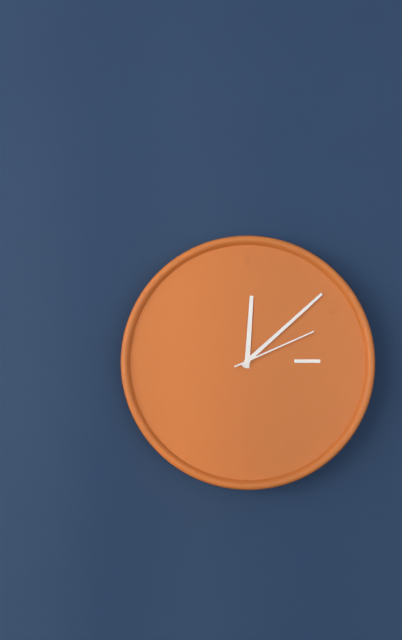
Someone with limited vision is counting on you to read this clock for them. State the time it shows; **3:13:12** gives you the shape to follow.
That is **12:08:11**
